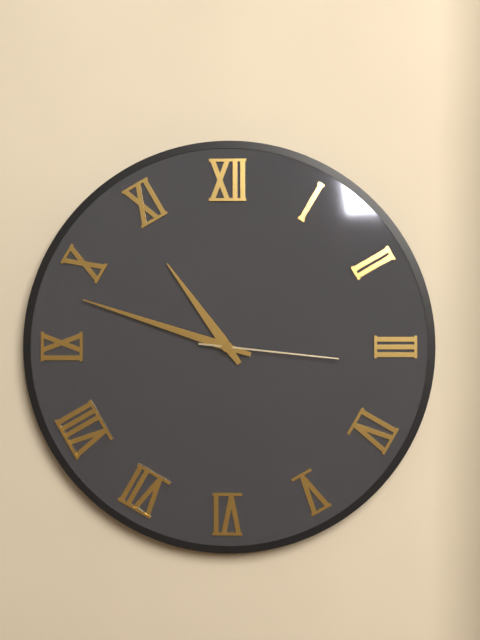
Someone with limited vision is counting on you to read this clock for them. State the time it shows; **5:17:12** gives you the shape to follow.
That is **10:48:16**
